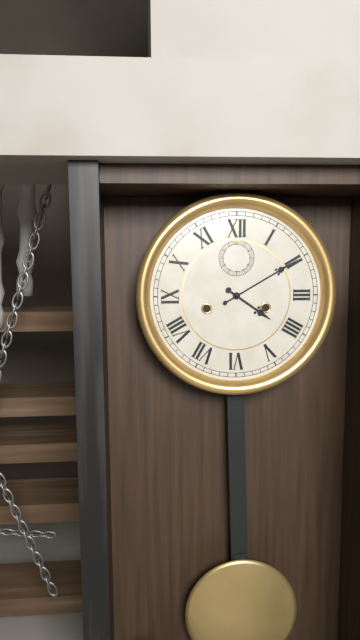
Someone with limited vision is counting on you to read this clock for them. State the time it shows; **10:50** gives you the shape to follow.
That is **4:10**
